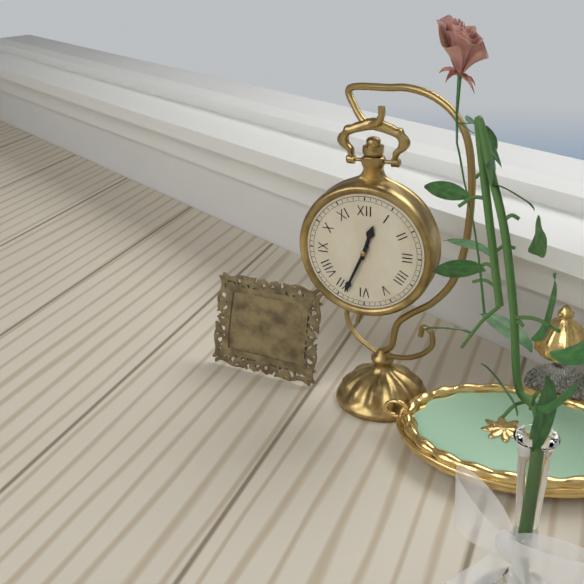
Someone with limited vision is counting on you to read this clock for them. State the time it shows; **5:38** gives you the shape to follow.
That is **12:34**
